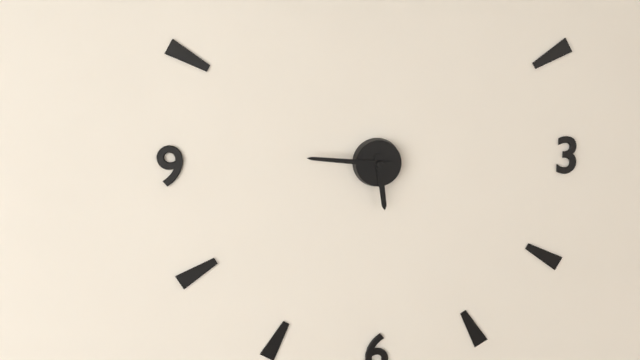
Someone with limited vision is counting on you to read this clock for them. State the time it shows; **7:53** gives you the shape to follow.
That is **5:46**
